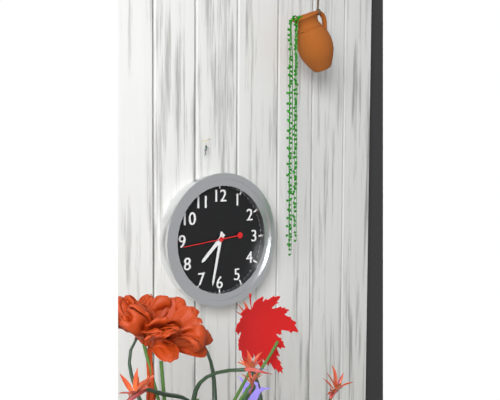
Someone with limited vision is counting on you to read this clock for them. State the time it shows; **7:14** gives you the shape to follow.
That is **7:32**
